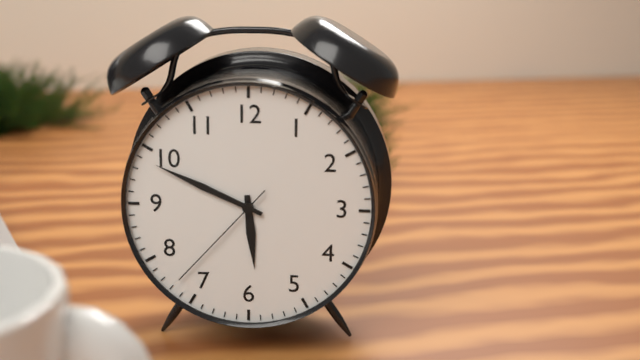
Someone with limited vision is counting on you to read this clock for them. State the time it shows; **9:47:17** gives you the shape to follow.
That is **5:49:37**
